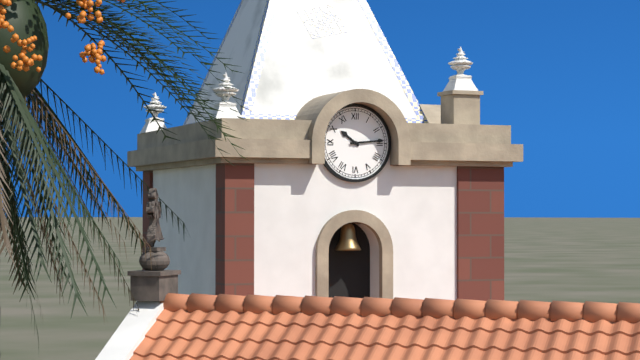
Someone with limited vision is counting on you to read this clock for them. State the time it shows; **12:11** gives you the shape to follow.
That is **10:14**
